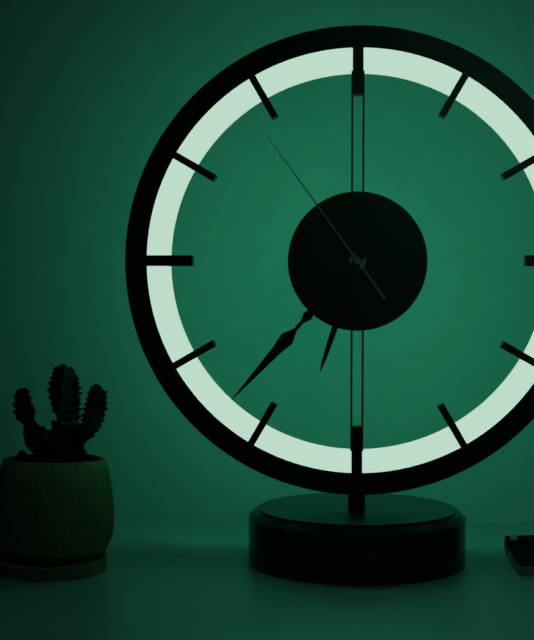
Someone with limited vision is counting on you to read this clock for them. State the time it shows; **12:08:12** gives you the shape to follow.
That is **6:37:54**
